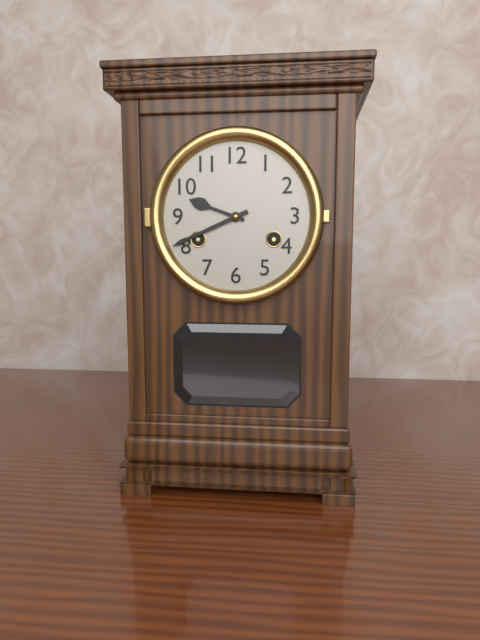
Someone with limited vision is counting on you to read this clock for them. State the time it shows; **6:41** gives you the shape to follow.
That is **9:41**
